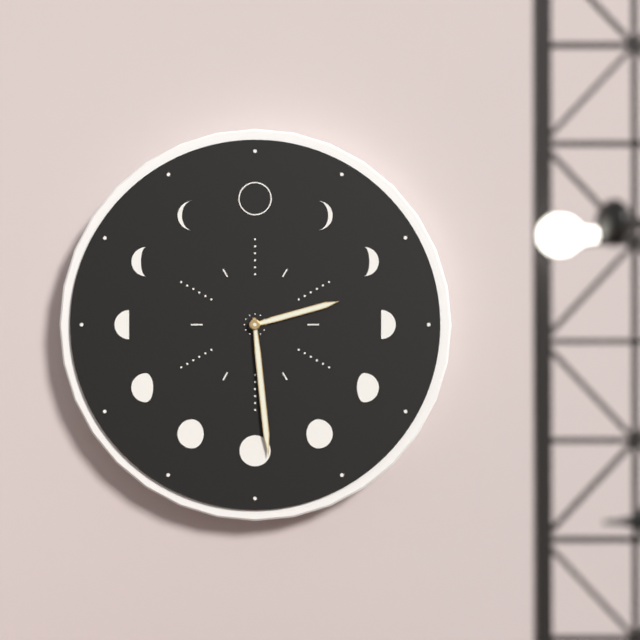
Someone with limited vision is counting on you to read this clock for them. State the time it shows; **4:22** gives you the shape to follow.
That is **2:29**
